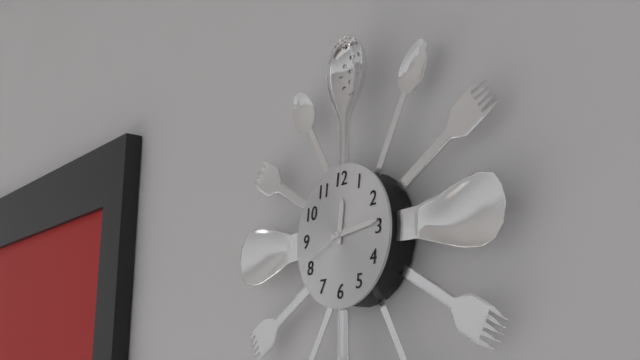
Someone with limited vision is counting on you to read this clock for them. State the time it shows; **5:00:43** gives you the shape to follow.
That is **12:14:41**
